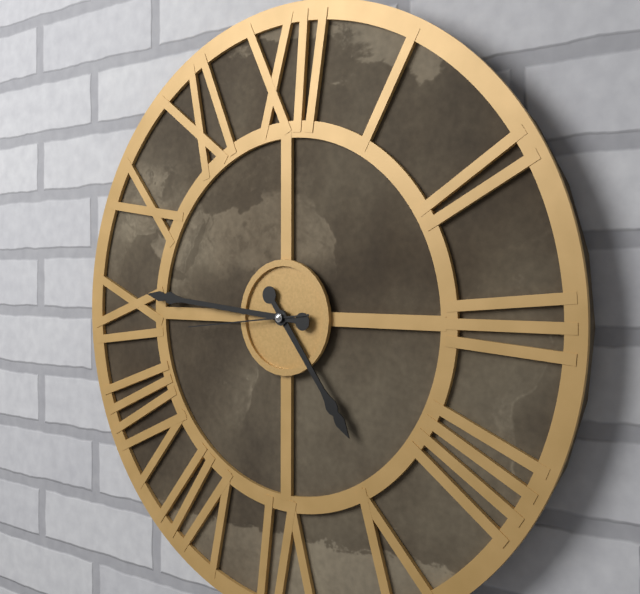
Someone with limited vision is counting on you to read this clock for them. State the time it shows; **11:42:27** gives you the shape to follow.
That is **4:46:44**
